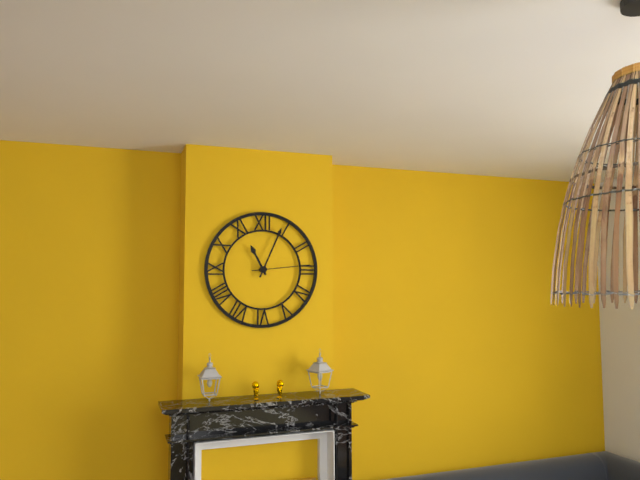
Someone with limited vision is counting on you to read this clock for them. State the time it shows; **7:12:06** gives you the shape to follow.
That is **11:04:14**
